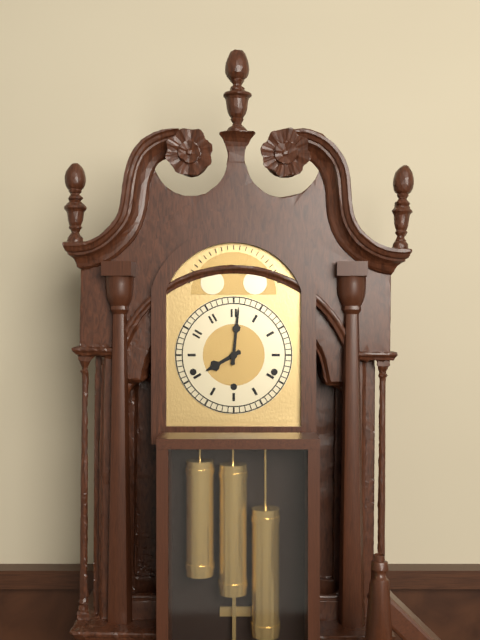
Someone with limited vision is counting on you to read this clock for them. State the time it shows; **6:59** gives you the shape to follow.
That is **8:01**
